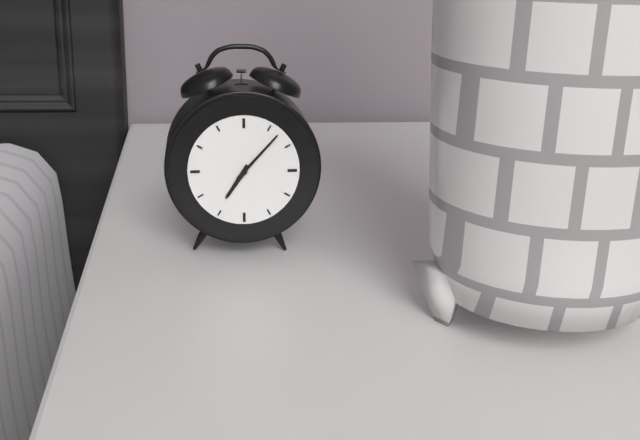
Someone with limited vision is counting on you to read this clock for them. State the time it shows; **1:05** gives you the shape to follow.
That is **7:07**
